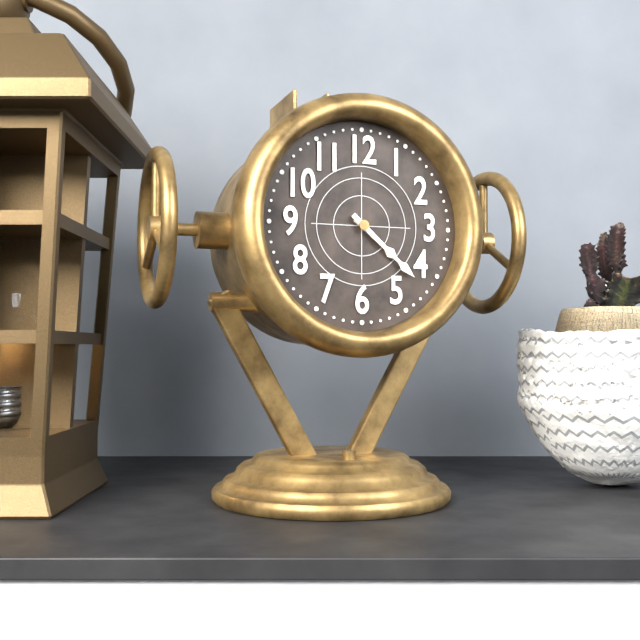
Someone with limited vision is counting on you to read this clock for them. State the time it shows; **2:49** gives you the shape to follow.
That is **4:22**
